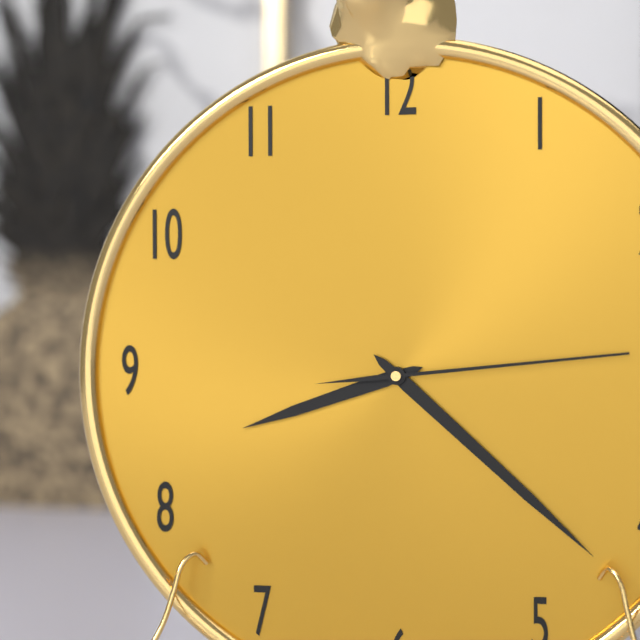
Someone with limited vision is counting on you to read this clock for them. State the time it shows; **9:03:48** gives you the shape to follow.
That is **8:22:14**
